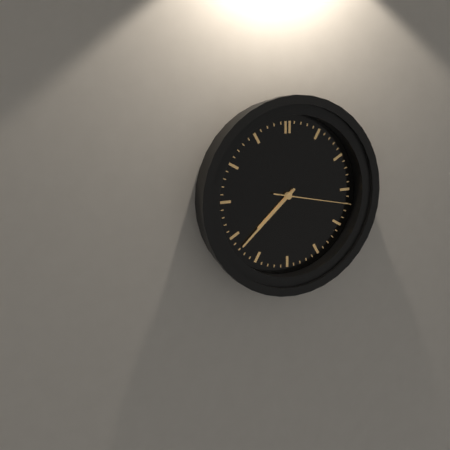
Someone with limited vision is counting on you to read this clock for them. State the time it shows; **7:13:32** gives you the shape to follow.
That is **7:38:17**
